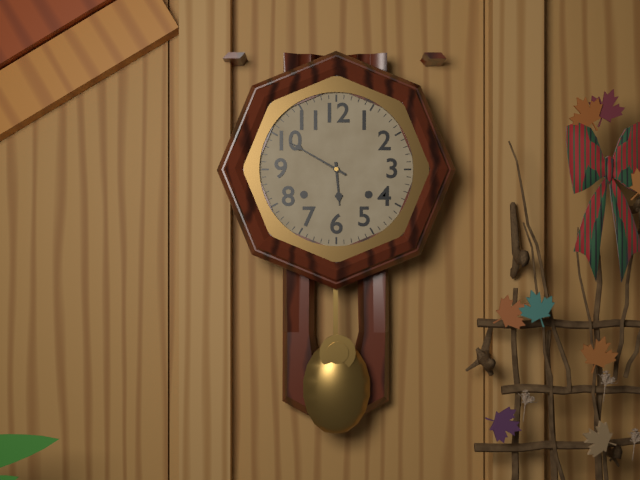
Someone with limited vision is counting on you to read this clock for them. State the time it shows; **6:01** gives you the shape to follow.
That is **5:50**
